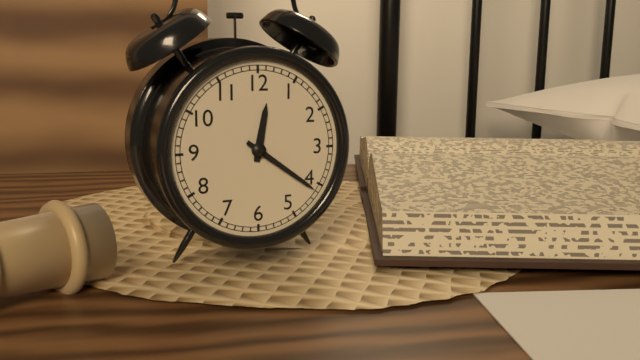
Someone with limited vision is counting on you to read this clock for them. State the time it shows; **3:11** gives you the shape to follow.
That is **12:21**
